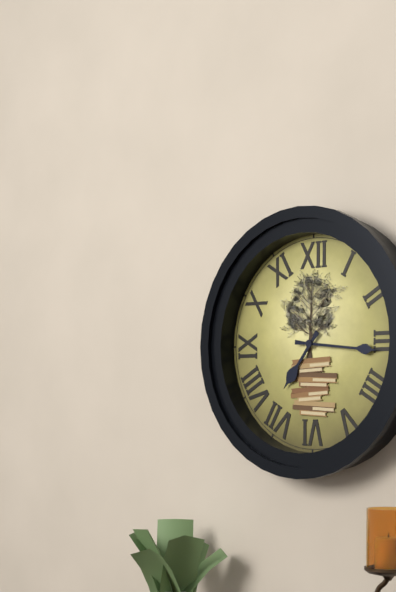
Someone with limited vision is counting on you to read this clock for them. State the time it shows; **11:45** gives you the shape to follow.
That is **7:16**
